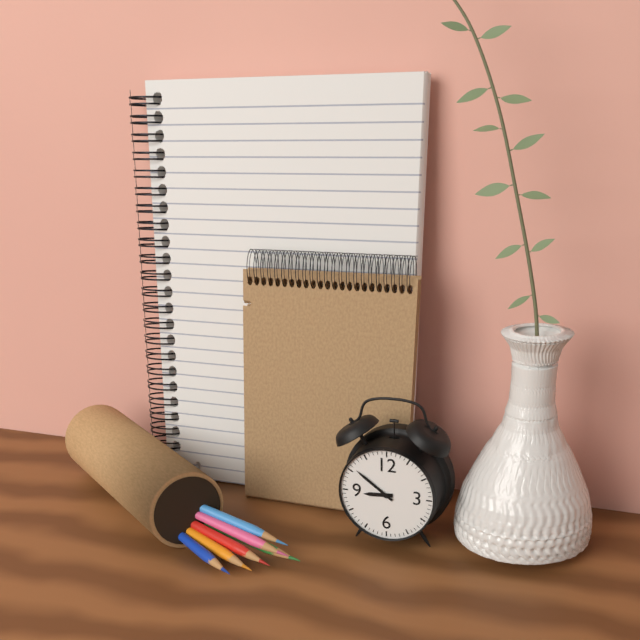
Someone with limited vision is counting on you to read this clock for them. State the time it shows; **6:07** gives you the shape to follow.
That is **8:51**
